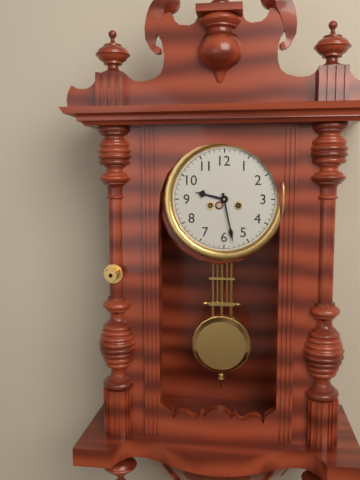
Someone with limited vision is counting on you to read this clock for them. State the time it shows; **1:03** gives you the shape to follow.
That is **9:28**
